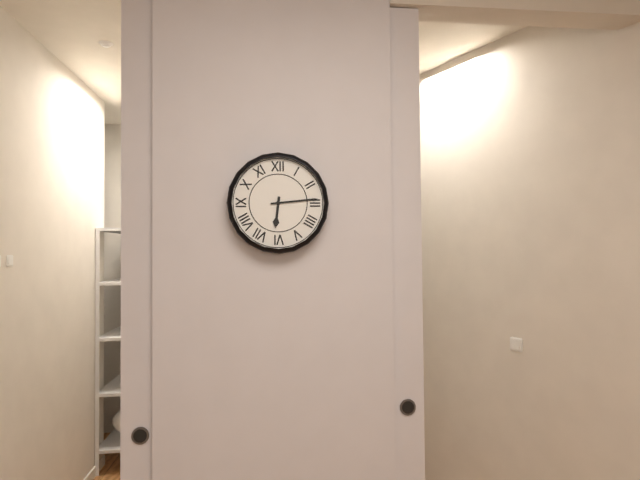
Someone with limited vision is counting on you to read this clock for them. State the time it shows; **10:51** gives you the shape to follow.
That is **6:14**
